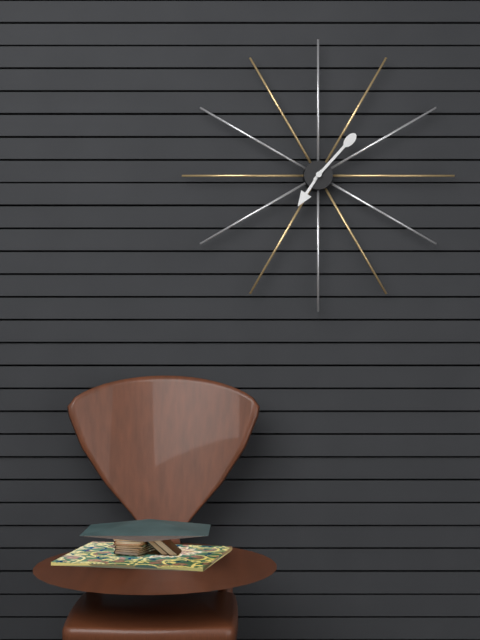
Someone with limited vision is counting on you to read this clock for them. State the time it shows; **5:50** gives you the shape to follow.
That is **7:07**
